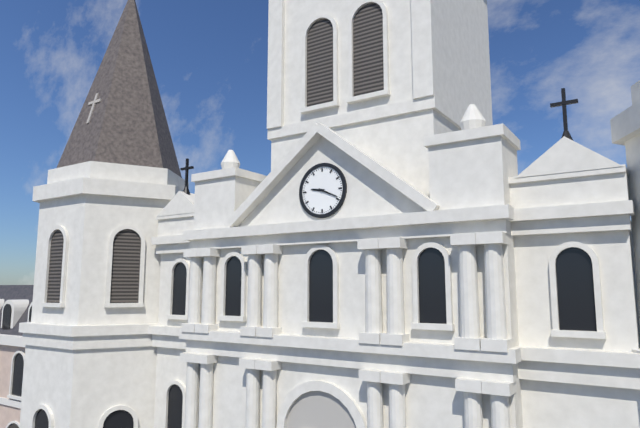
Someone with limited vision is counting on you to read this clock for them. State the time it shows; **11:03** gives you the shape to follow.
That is **9:19**
